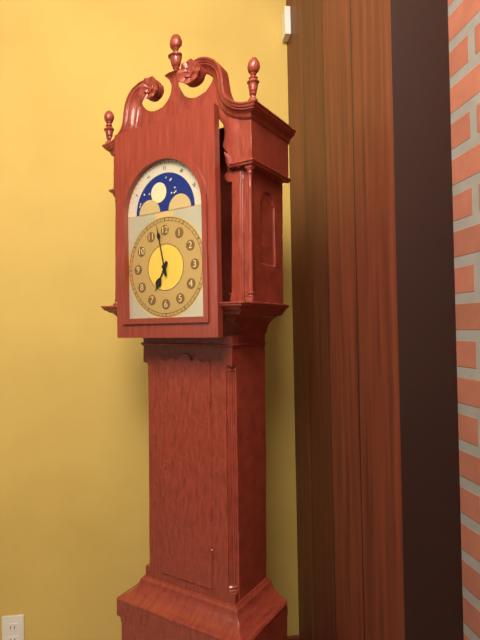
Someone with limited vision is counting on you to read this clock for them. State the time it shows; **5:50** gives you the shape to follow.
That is **6:58**
